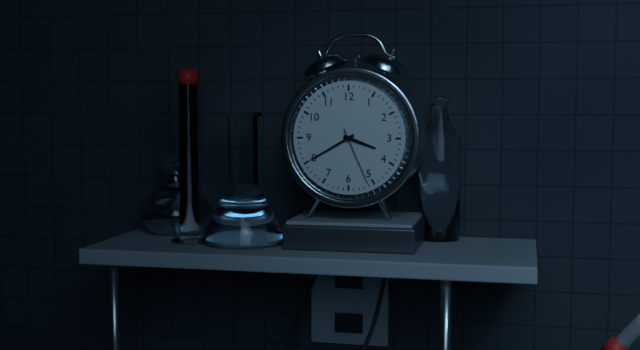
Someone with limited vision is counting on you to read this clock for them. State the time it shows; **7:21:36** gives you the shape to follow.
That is **3:40:26**
